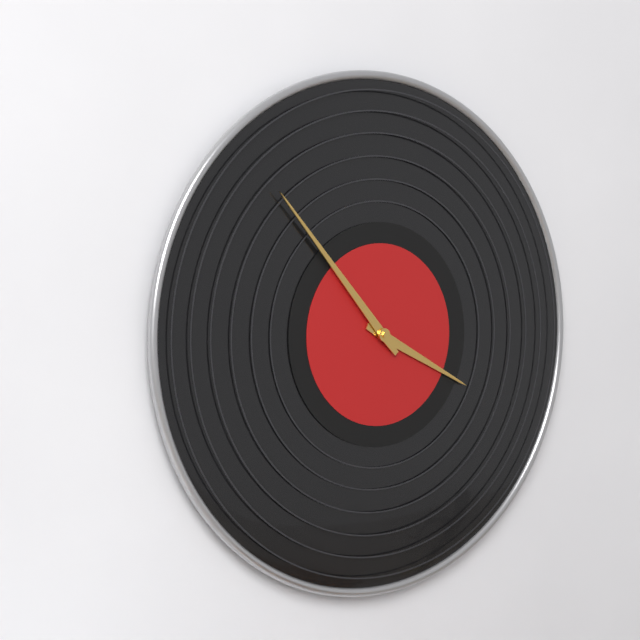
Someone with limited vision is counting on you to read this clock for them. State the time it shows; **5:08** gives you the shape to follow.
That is **3:53**
